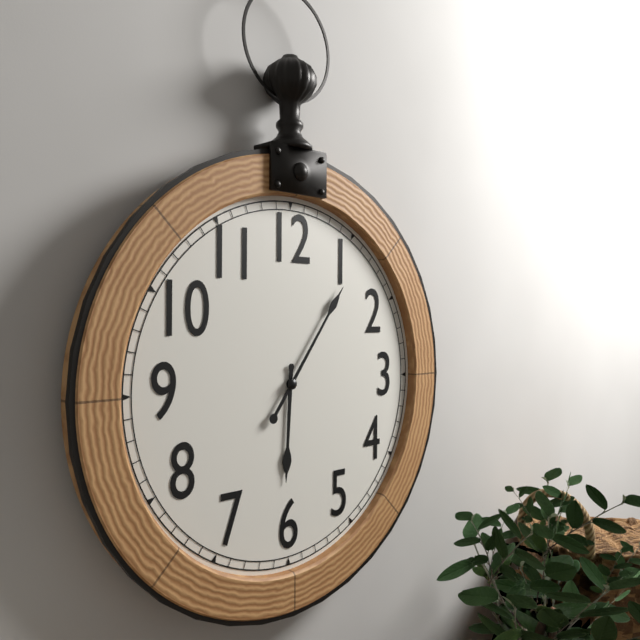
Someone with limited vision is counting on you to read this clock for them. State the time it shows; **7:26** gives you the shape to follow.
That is **6:06**
